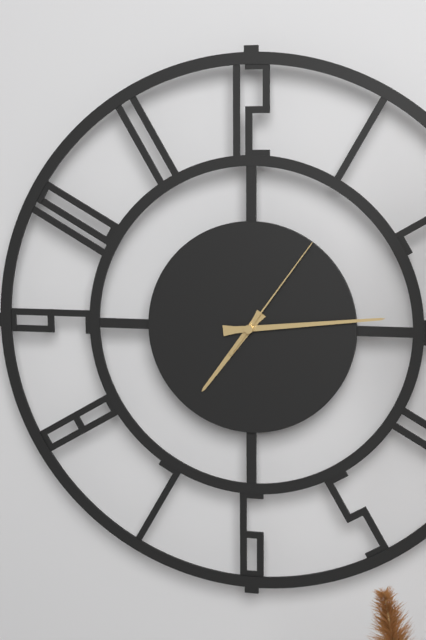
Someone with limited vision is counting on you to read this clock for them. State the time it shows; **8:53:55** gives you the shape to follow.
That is **7:14:06**
